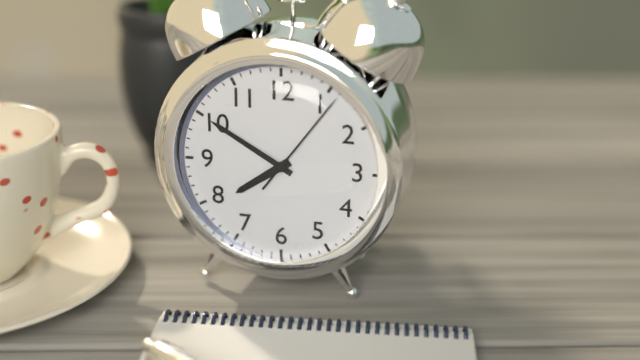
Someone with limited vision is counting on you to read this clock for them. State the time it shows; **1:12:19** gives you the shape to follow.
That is **7:50:06**
